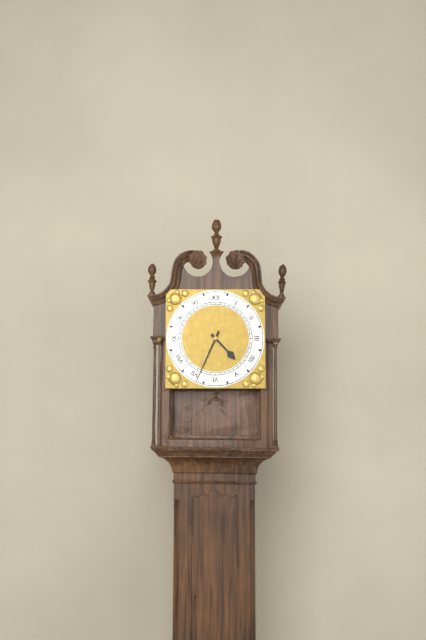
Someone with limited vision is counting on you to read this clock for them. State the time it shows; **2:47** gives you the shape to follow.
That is **4:34**
